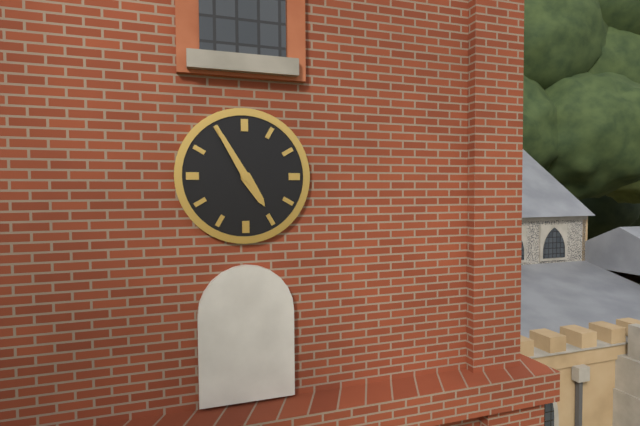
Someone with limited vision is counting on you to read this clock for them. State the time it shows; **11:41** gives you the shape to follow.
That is **4:55**
